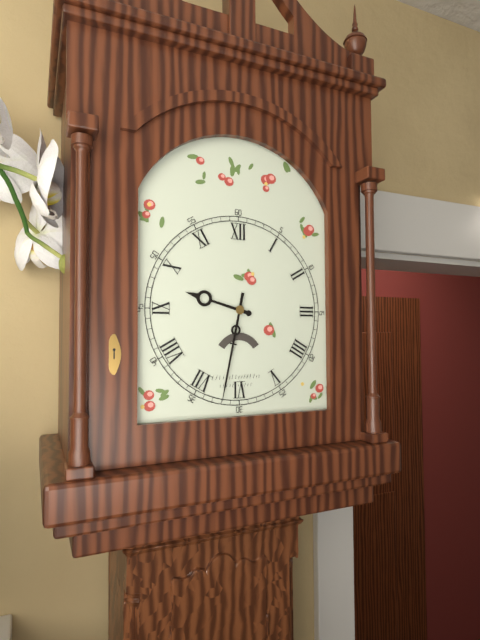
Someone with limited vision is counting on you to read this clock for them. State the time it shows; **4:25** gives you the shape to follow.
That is **9:32**
